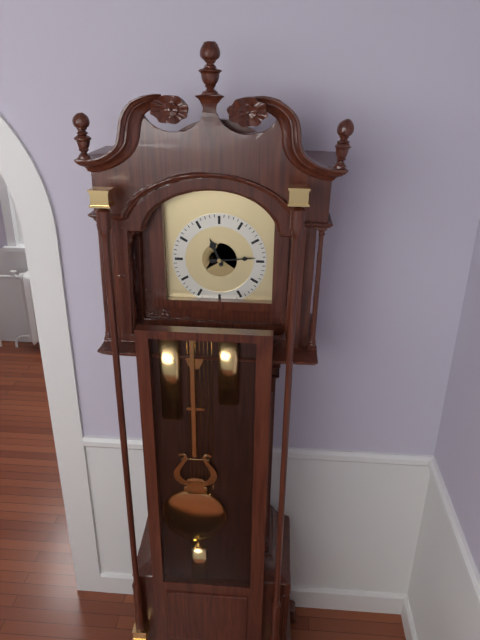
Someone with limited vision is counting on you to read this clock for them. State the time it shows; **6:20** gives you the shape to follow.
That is **11:14**
